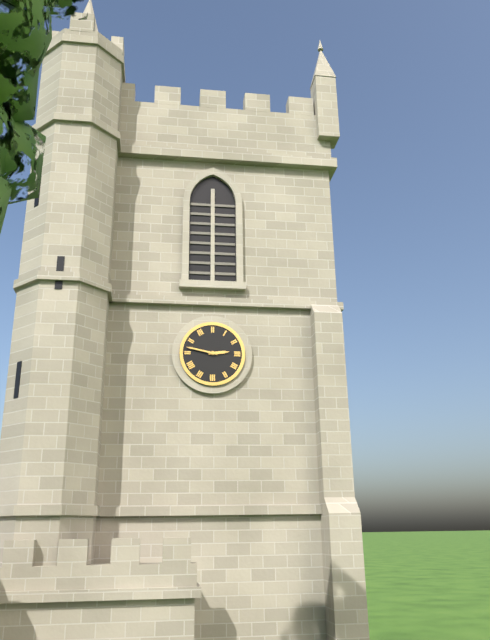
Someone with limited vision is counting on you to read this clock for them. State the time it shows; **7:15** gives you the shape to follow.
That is **2:47**
